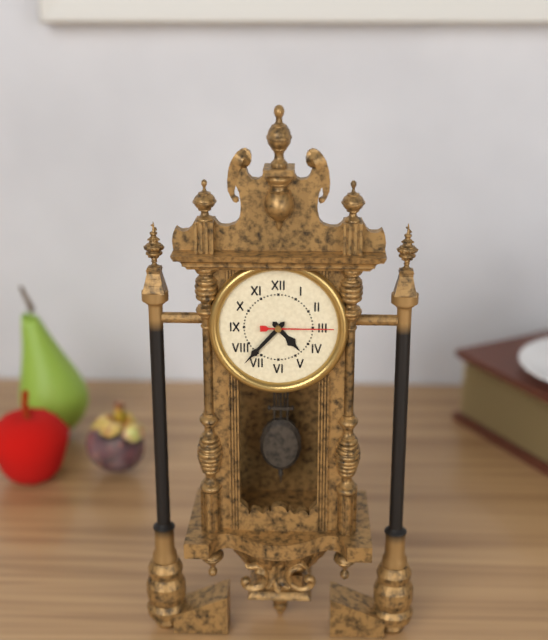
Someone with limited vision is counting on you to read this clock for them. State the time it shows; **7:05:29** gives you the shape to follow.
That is **4:37:15**
